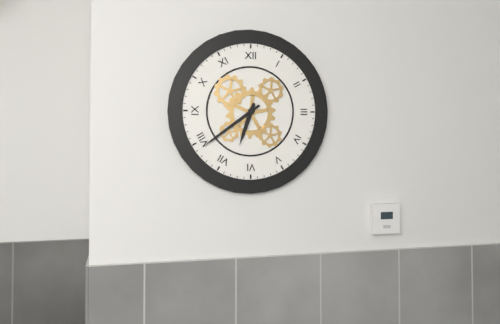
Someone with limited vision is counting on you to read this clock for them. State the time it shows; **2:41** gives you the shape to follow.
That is **6:39**
